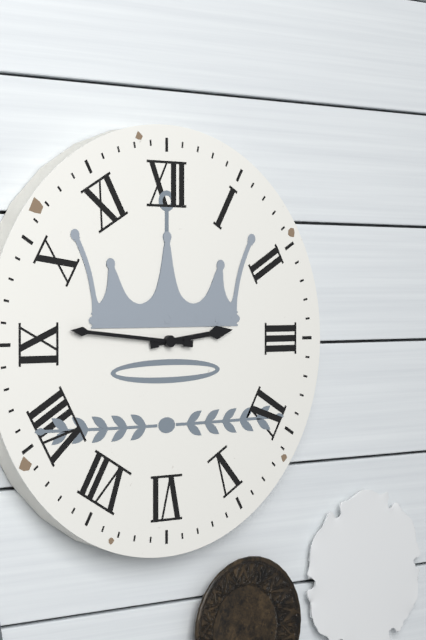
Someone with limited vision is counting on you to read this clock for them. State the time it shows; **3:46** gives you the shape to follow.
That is **2:46**
